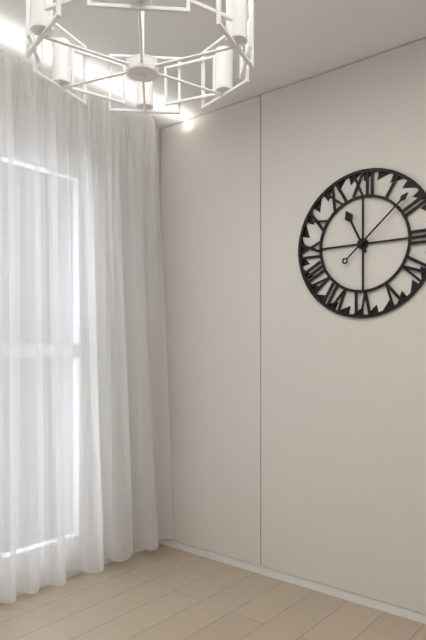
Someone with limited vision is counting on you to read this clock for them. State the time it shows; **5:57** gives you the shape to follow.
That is **11:08**
